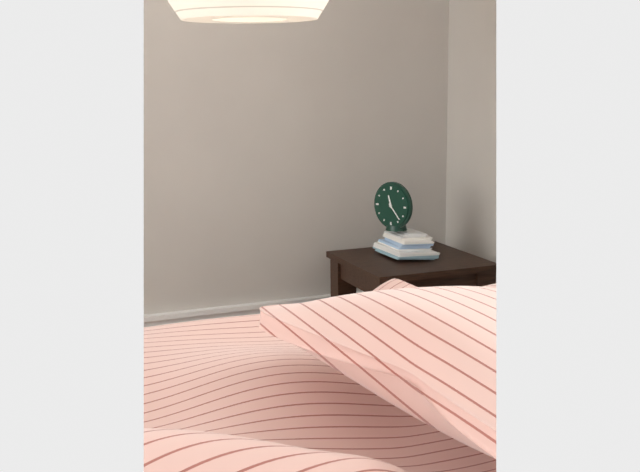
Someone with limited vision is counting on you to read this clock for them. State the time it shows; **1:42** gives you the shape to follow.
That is **11:23**
